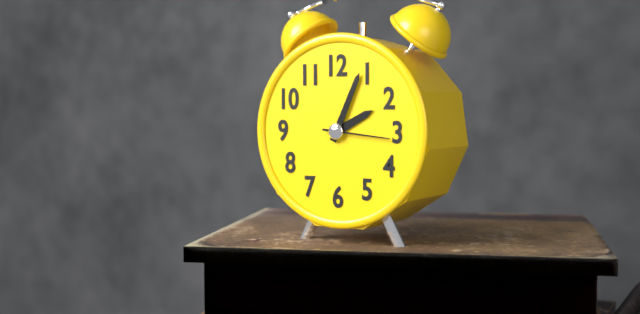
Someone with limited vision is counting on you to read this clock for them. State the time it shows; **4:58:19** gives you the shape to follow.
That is **2:04:16**
